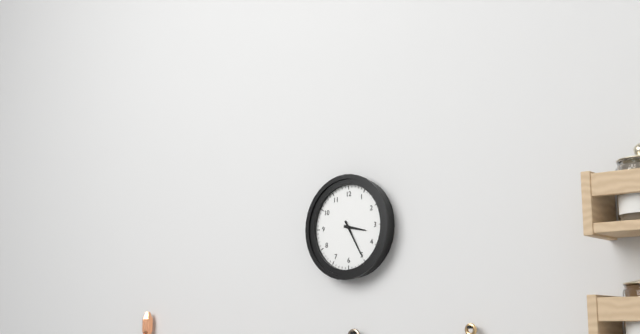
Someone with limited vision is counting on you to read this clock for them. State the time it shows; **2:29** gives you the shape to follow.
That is **3:25**
